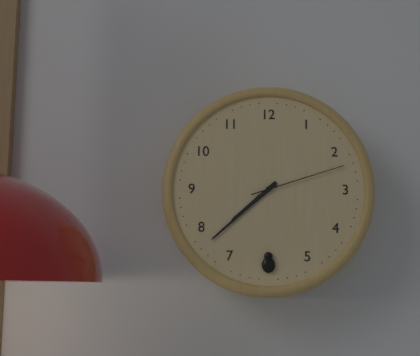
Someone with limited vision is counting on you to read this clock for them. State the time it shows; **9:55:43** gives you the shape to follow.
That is **7:38:12**
